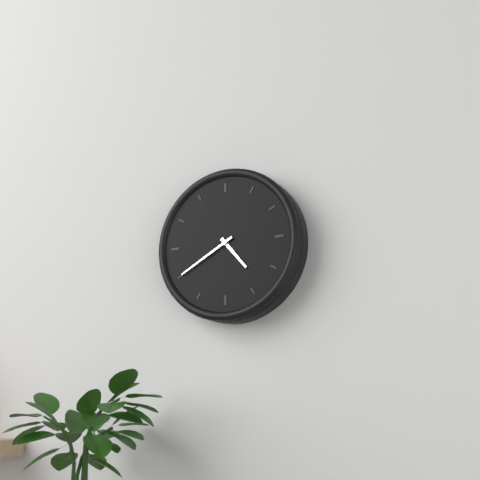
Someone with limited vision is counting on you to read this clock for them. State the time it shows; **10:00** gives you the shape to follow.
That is **4:40**
